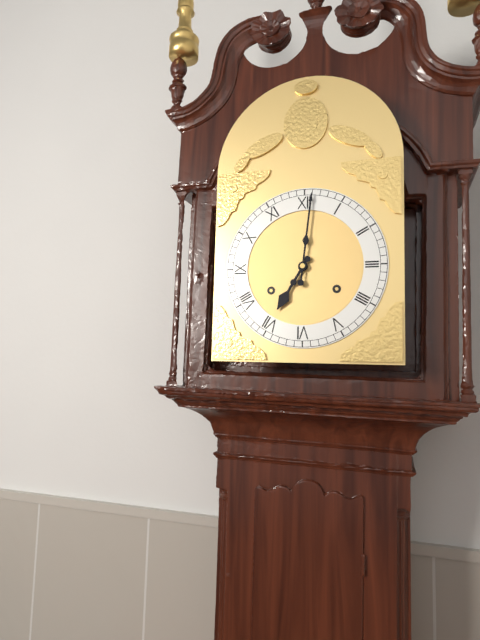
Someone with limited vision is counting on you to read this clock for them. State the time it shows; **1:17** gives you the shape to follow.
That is **7:01**
